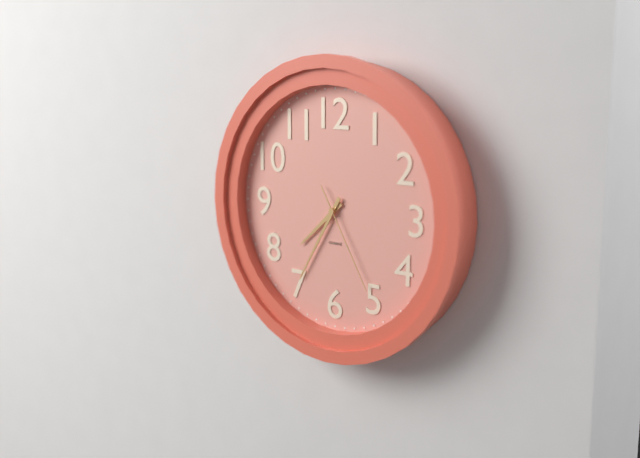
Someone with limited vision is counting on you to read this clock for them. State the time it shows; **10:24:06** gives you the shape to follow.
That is **7:35:25**
